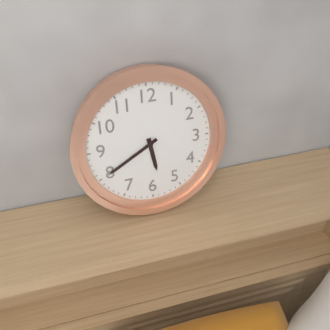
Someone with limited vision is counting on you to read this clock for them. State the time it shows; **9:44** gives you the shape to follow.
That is **5:40**
